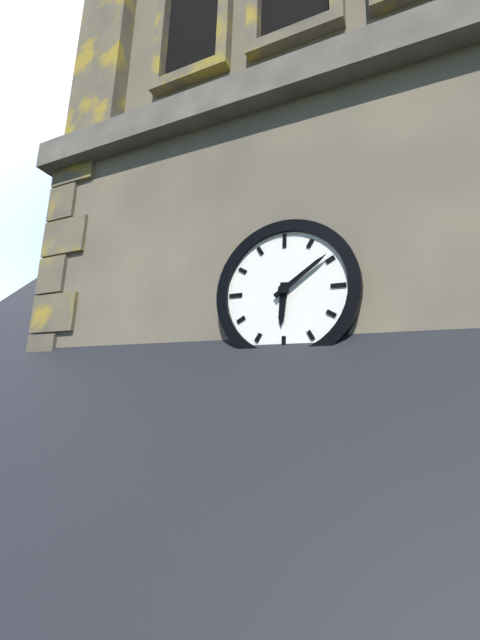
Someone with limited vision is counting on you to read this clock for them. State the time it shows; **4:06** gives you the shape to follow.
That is **6:09**
